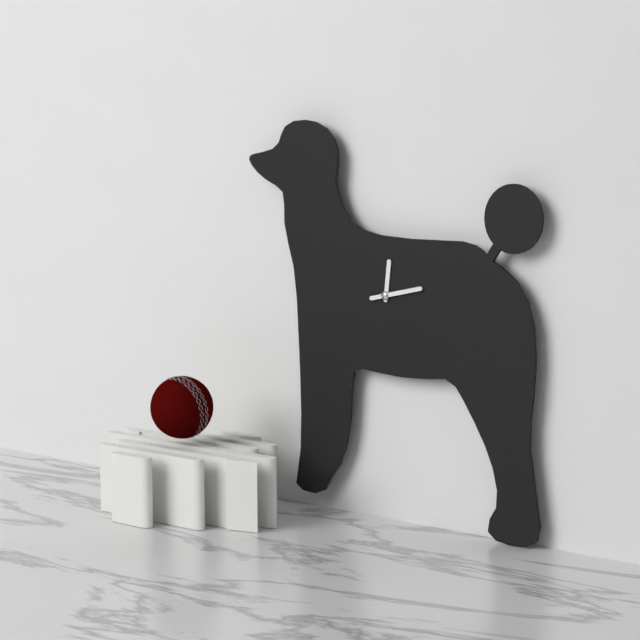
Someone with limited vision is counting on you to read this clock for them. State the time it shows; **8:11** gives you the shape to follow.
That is **12:13**
